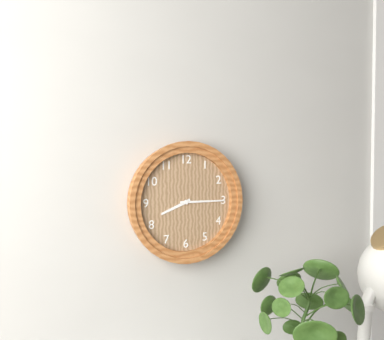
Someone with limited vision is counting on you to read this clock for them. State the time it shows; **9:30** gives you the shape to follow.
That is **8:15**
